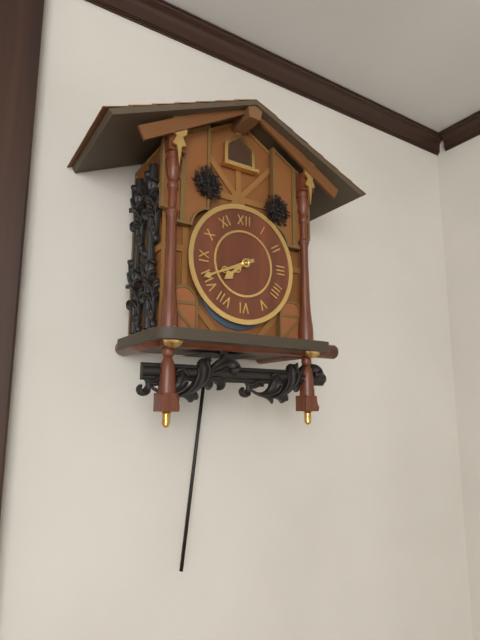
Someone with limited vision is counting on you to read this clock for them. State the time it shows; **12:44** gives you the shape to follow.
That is **7:41**
